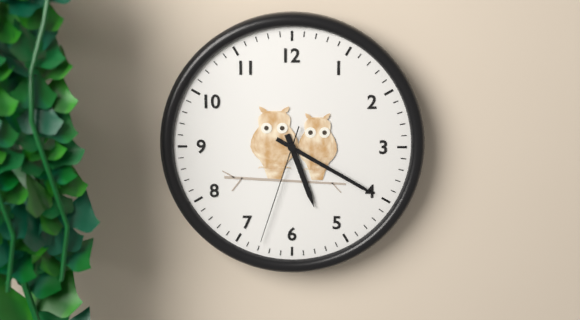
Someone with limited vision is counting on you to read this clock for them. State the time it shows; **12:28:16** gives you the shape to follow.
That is **5:20:33**
